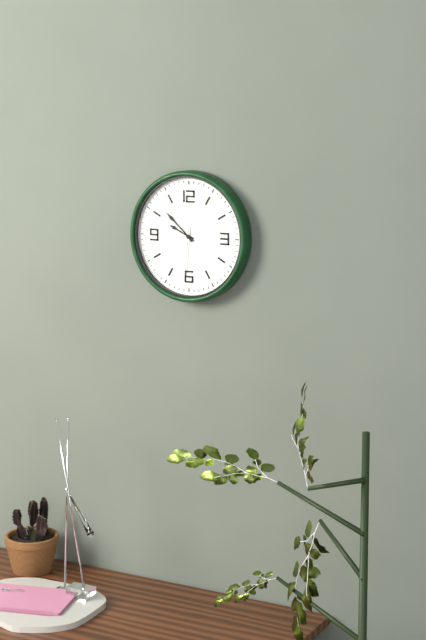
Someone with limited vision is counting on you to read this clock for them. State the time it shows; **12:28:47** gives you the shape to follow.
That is **9:52:31**
